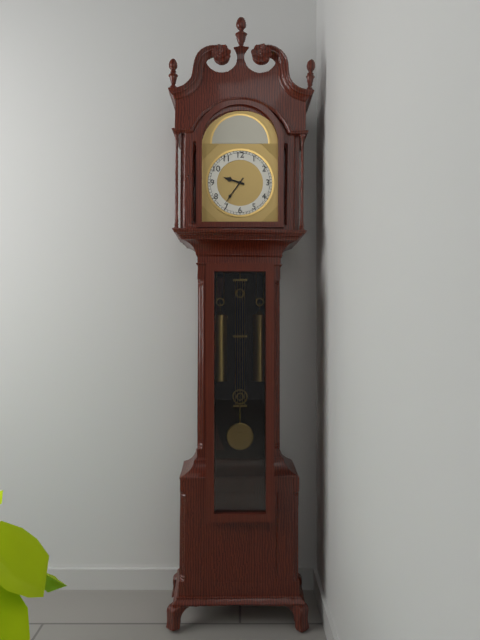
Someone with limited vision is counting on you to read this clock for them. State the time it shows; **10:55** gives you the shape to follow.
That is **9:36**
